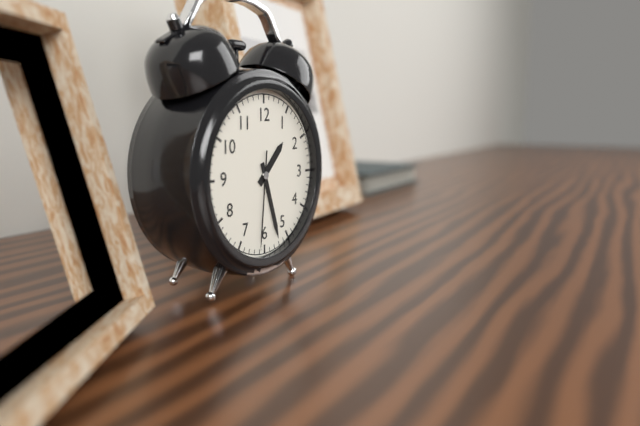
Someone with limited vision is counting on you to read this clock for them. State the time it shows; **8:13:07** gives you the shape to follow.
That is **1:27:31**
